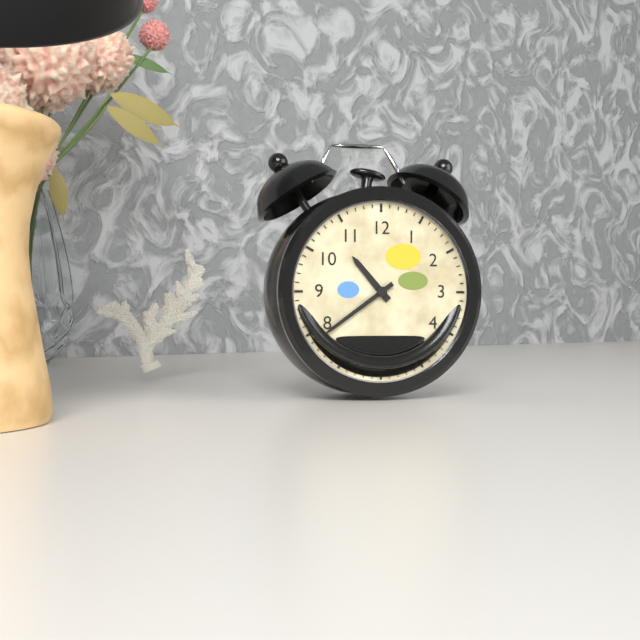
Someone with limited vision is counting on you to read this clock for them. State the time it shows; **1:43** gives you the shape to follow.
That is **10:39**
